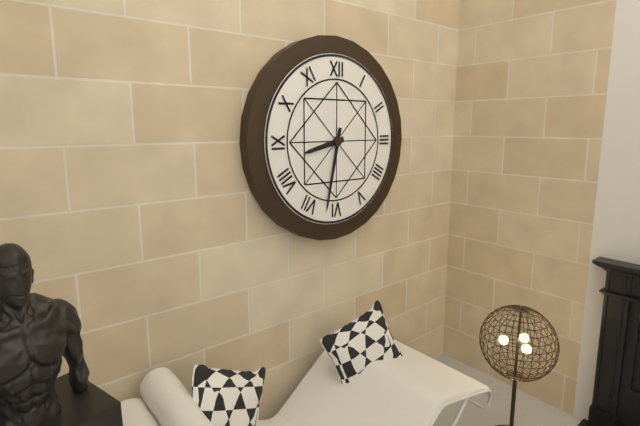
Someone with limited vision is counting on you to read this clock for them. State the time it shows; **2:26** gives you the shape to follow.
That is **8:32**
